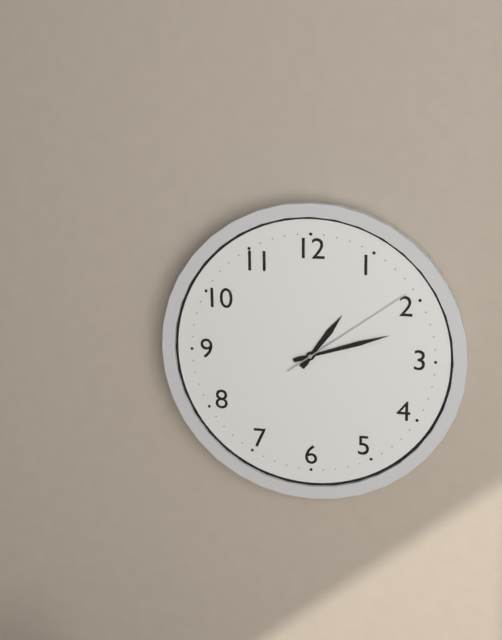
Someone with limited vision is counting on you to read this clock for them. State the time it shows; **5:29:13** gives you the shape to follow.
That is **1:12:09**
